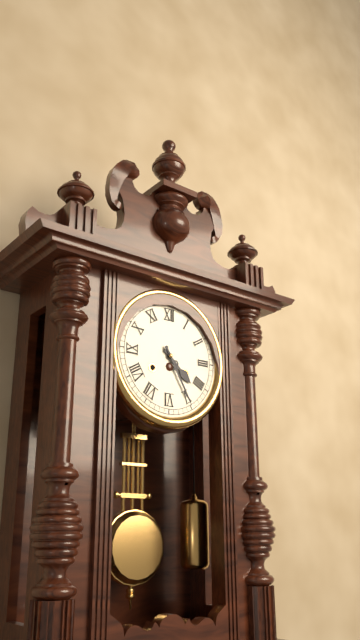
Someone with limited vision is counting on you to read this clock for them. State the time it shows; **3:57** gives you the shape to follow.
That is **4:25**
